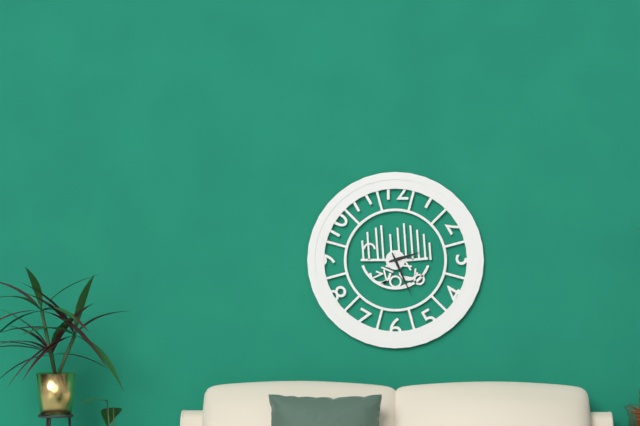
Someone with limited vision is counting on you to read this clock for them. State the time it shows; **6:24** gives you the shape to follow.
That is **2:26**
